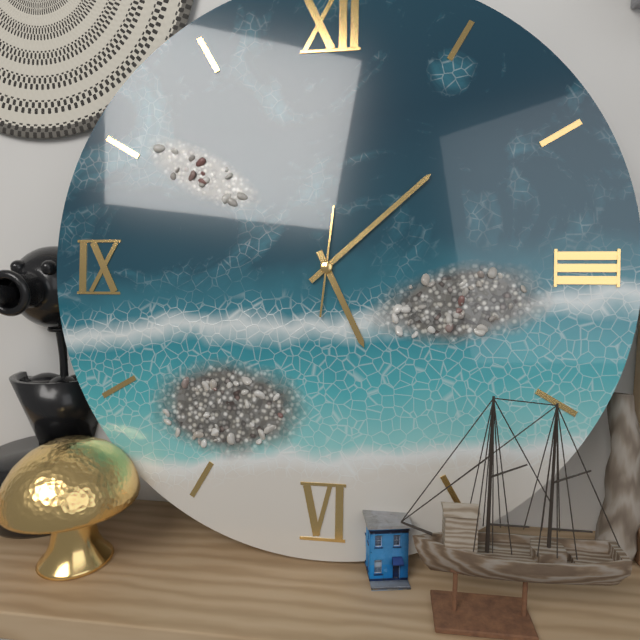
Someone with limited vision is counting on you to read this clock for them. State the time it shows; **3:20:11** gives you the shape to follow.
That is **5:08:01**
